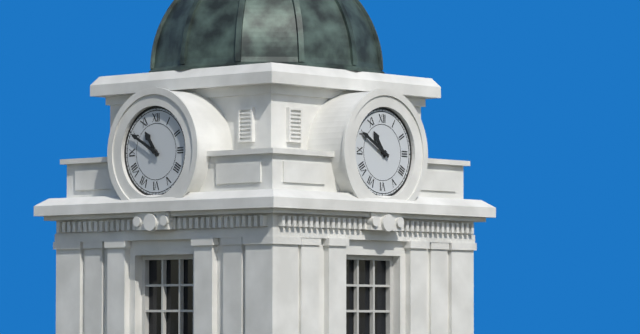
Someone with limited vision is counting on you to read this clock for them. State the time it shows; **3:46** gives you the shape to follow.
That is **10:50**
